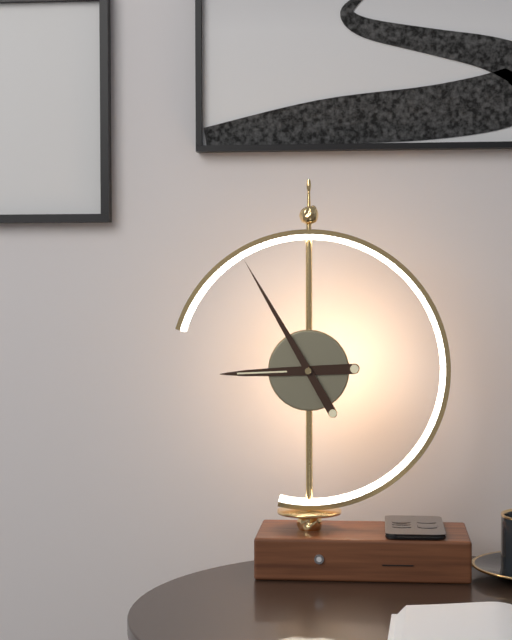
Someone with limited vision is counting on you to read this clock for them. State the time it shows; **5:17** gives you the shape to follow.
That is **8:55**
